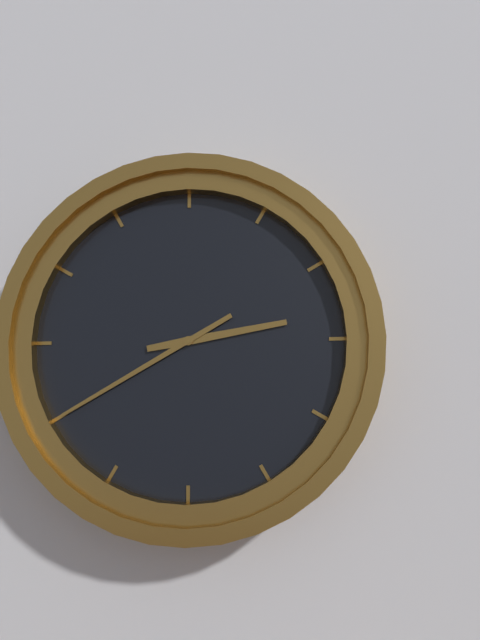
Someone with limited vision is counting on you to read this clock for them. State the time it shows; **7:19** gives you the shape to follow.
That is **2:40**
